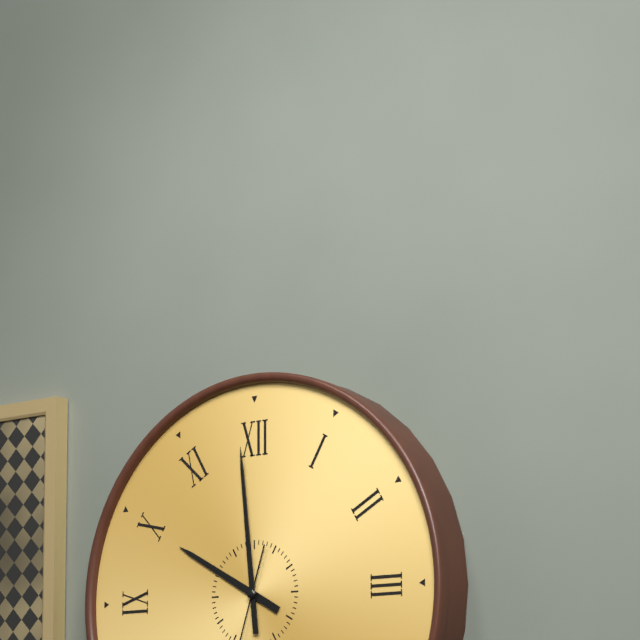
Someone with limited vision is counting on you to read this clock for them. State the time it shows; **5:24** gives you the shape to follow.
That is **9:59**
